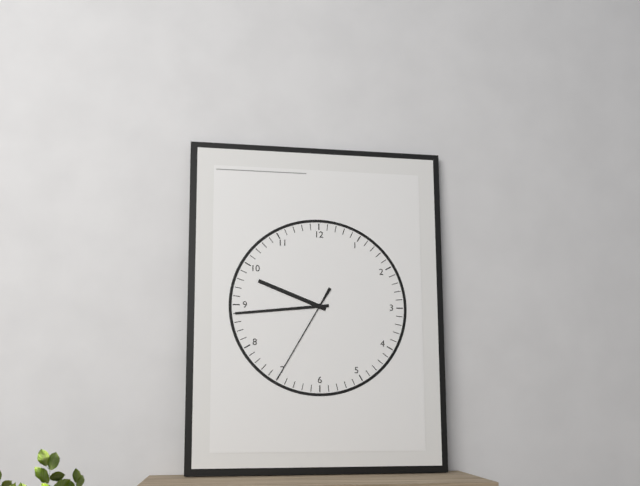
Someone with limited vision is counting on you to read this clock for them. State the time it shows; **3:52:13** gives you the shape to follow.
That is **9:44:35**
